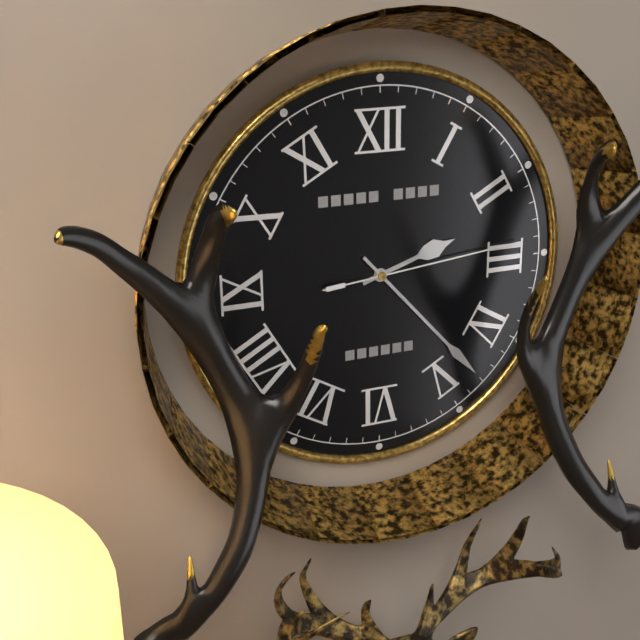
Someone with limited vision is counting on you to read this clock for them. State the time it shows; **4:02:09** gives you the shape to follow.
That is **2:23:14**
